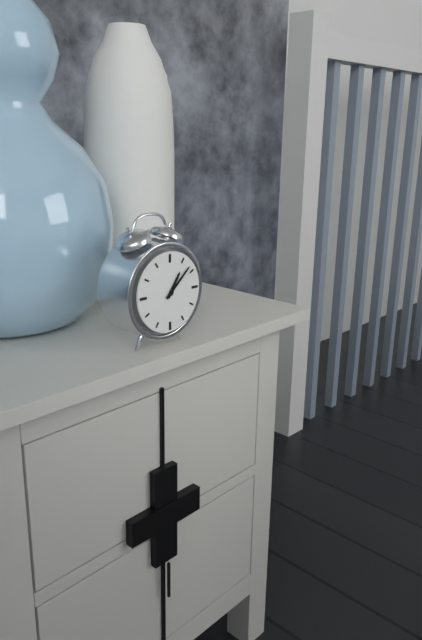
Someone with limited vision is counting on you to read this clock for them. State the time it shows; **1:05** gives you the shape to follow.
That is **1:08**
